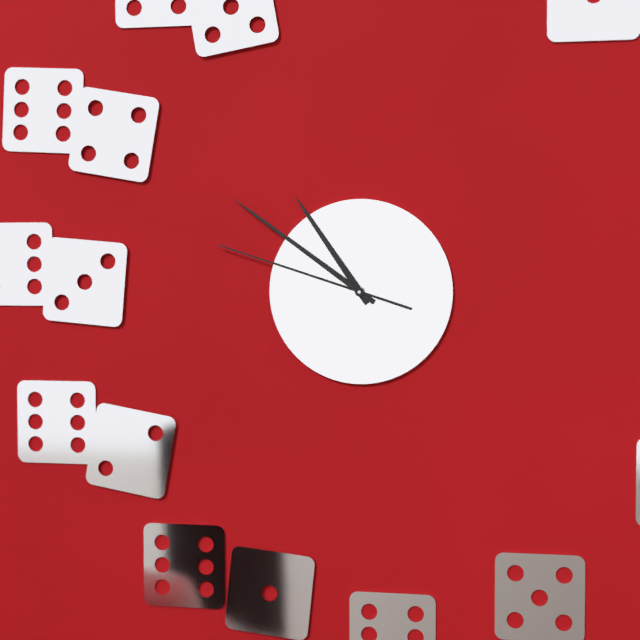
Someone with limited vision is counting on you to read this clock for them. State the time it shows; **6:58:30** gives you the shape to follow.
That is **10:51:48**
